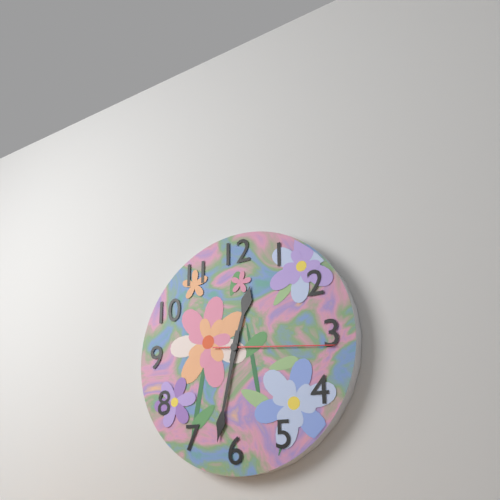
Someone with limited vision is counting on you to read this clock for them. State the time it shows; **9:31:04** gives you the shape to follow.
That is **12:32:16**
